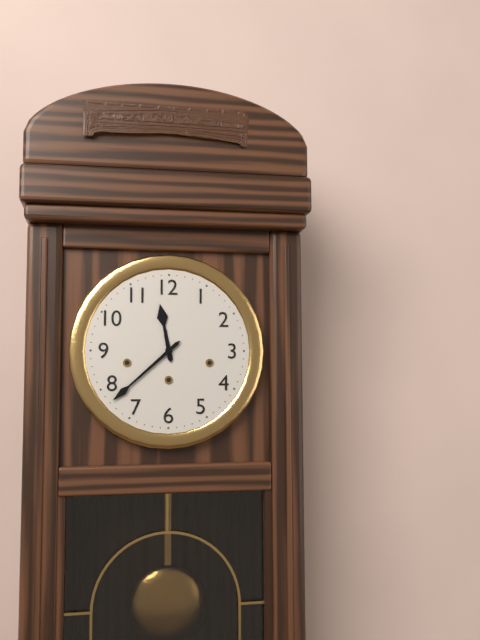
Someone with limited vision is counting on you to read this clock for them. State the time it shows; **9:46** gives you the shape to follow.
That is **11:38**
